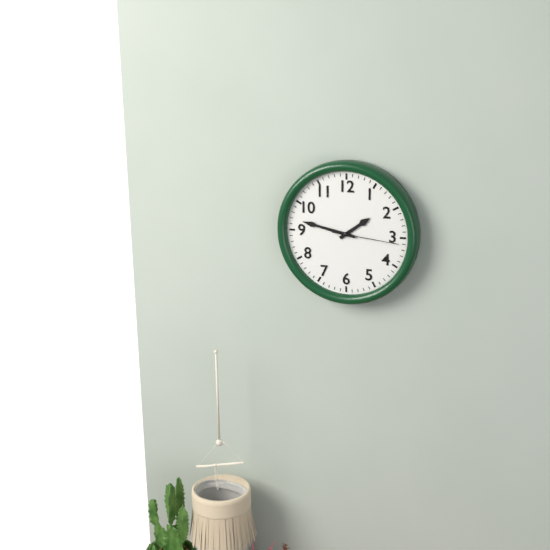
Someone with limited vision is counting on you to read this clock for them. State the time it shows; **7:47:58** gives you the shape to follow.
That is **1:47:16**
